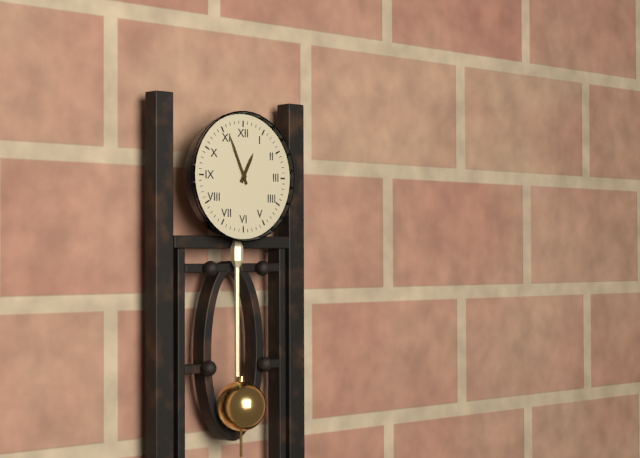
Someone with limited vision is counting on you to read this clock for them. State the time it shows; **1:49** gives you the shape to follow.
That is **12:56**
